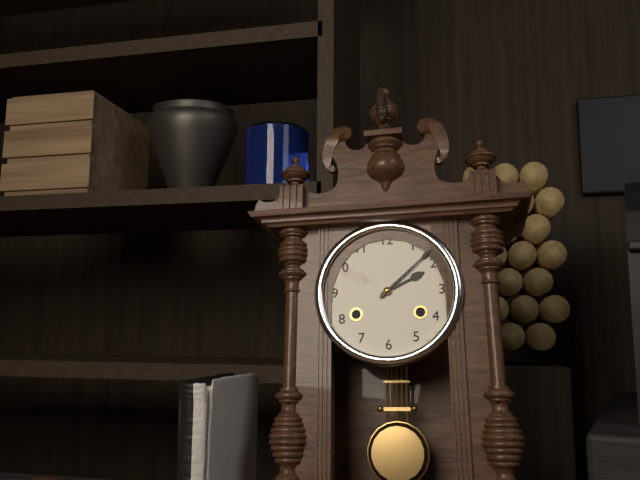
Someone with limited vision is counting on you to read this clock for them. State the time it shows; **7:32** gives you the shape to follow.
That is **2:08**
